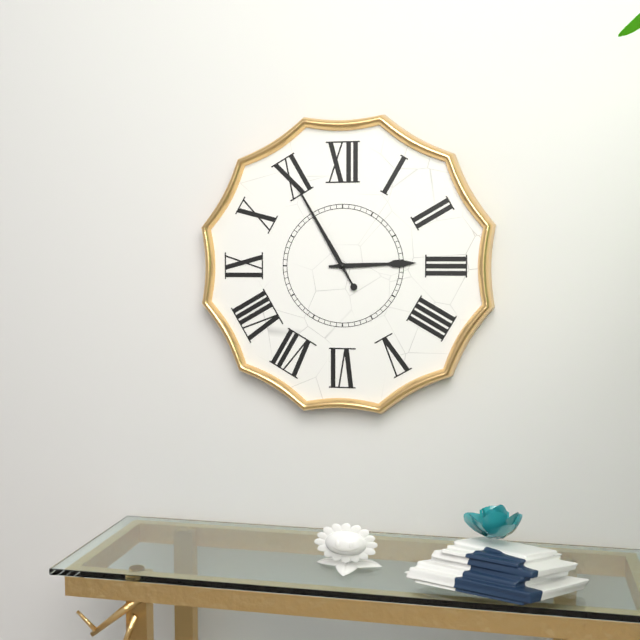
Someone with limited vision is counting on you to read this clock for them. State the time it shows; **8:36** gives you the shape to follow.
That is **2:55**
